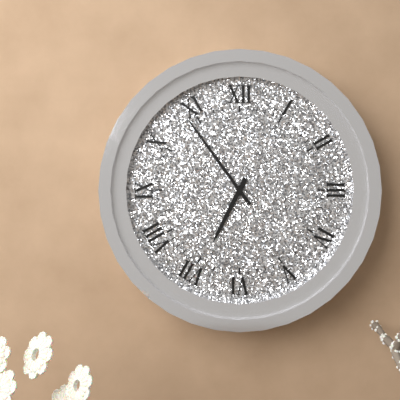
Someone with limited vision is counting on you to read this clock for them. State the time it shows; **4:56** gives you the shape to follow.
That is **6:54**
